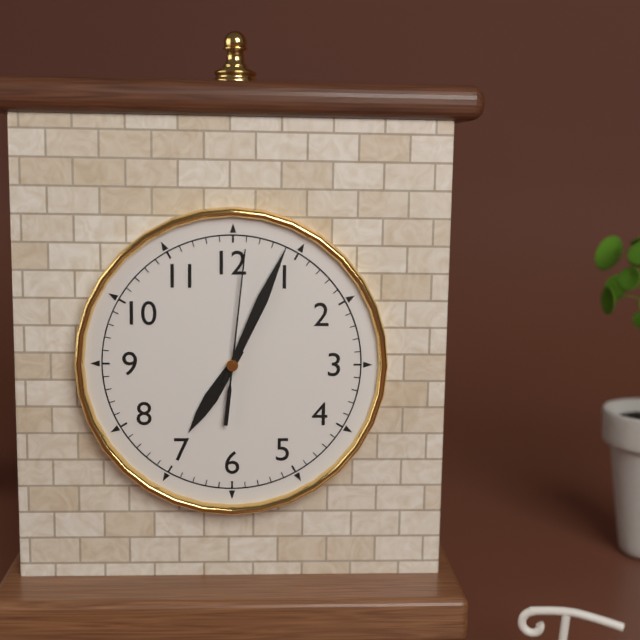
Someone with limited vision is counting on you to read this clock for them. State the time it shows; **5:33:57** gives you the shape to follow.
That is **7:04:01**
